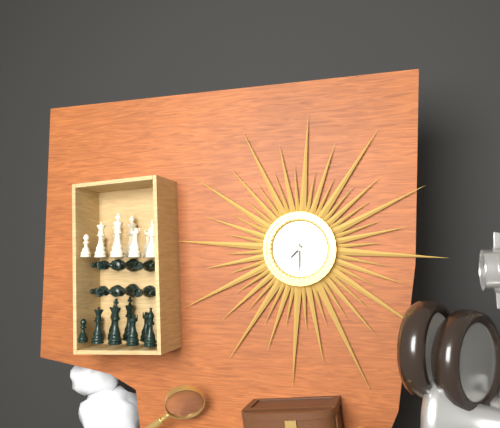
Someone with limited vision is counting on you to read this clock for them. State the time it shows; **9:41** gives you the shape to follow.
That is **7:30**
